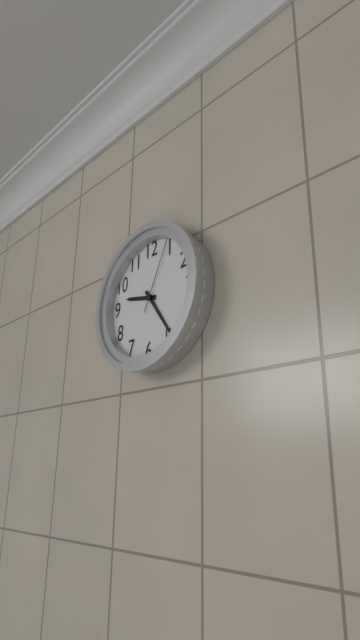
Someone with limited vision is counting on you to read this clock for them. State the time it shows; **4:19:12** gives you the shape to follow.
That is **9:24:04**
